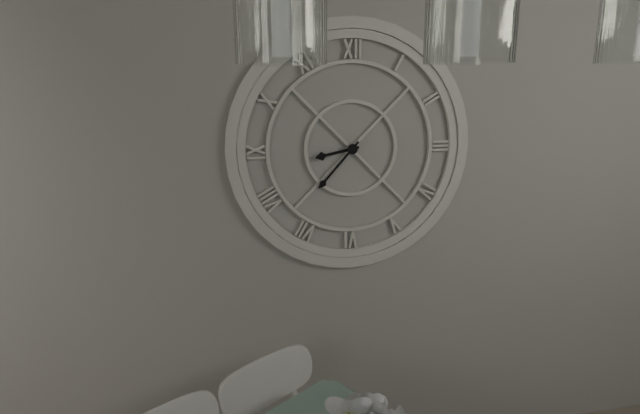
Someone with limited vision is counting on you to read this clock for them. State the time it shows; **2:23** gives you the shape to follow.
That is **8:37**
